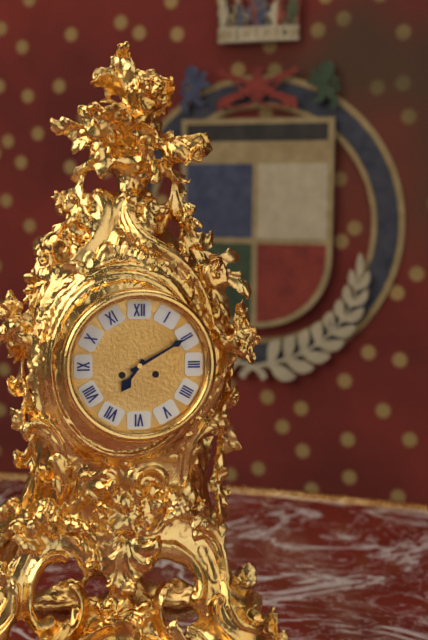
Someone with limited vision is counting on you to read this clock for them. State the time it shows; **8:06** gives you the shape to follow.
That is **7:10**
